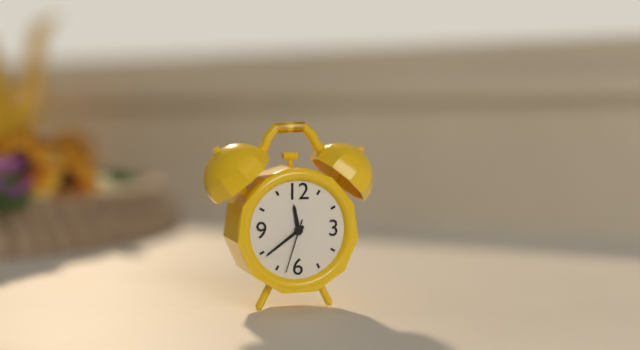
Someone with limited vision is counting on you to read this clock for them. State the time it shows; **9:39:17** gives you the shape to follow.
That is **11:39:33**
